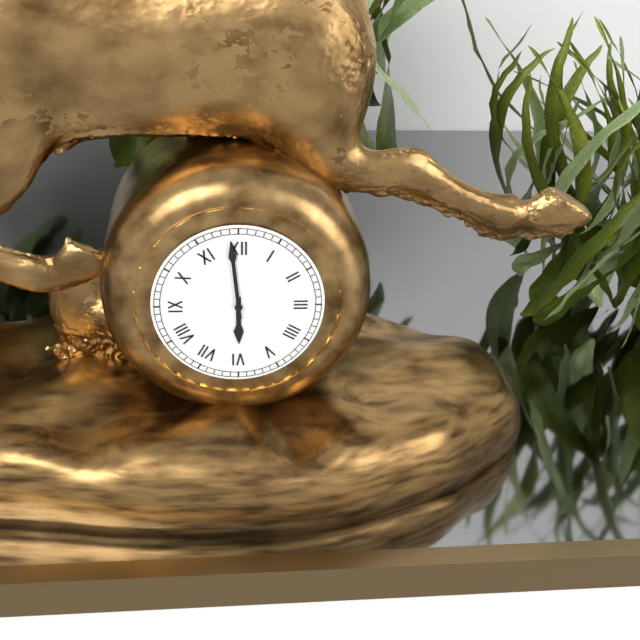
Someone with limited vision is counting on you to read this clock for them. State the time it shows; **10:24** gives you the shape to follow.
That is **5:59**
